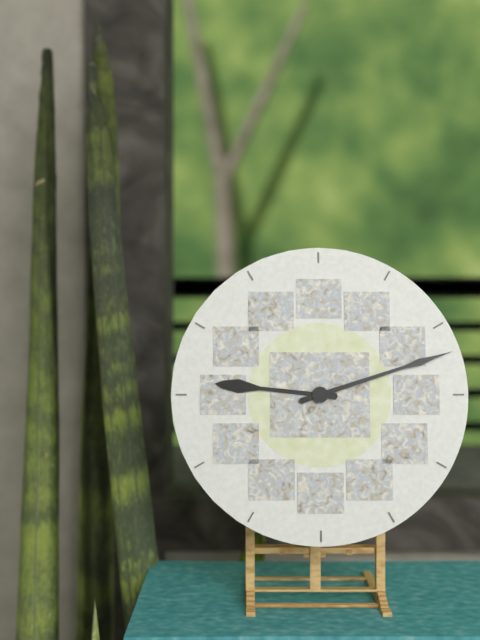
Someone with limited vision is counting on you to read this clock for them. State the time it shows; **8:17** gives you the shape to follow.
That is **9:12**
